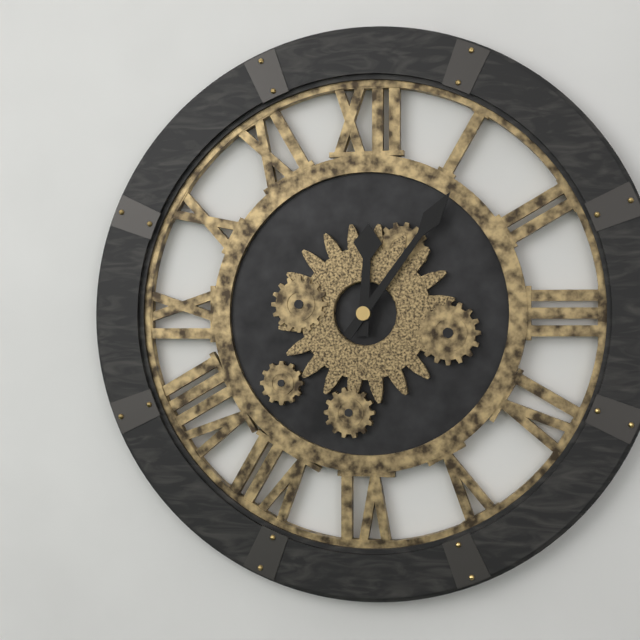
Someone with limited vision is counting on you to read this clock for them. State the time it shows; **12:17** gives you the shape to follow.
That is **12:06**
